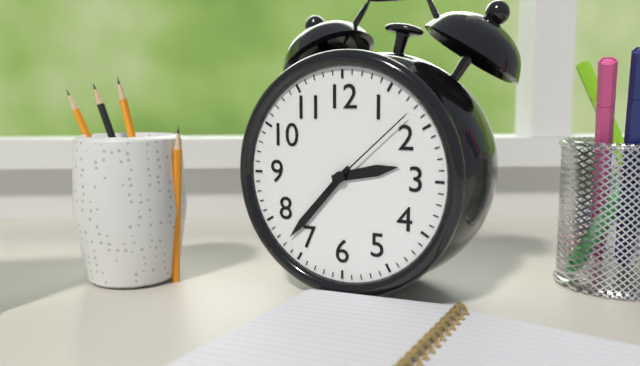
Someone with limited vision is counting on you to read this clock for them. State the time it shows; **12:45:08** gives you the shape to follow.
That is **2:37:08**
